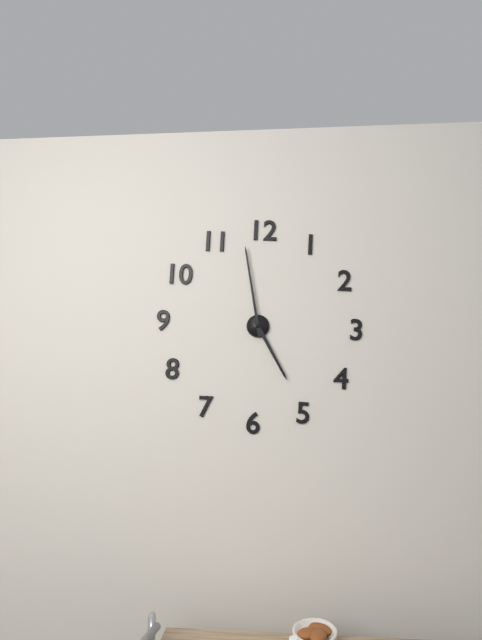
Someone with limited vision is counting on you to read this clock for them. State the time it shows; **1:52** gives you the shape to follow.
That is **4:58**
